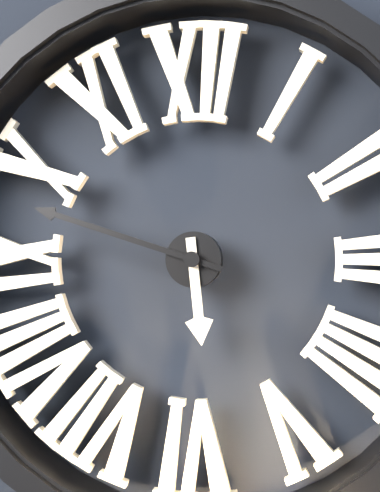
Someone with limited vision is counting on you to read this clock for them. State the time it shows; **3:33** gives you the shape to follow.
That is **5:48**
